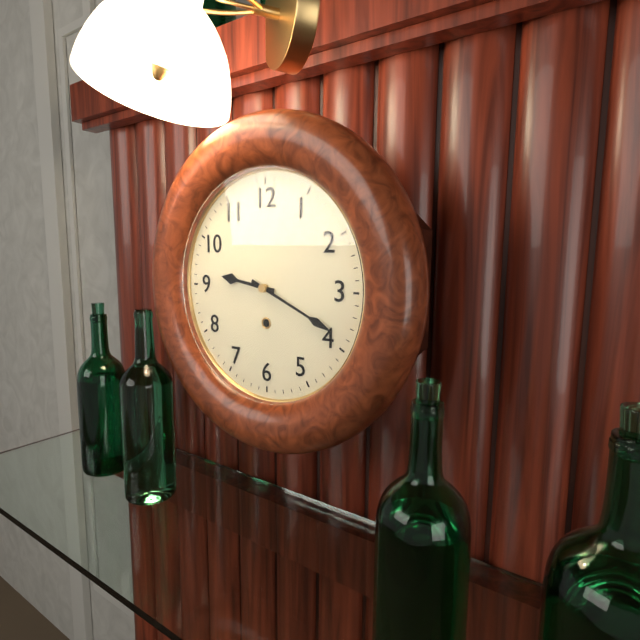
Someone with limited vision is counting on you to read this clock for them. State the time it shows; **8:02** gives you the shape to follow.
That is **9:19**
